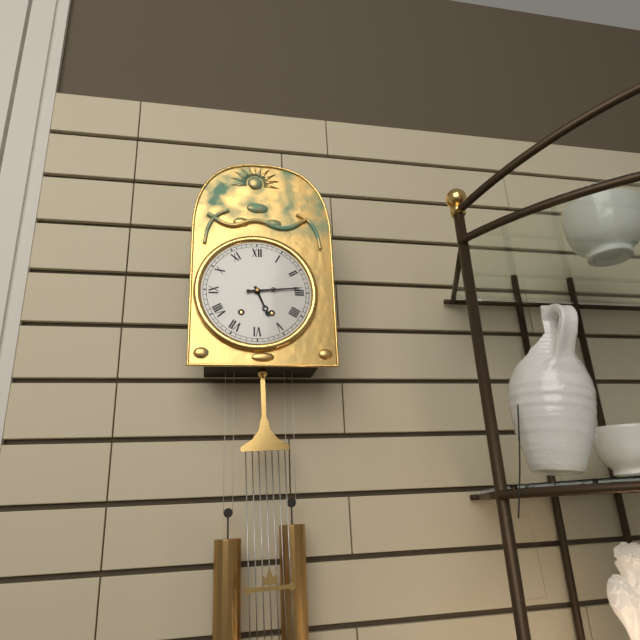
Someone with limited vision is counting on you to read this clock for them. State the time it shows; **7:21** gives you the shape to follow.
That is **5:14**
